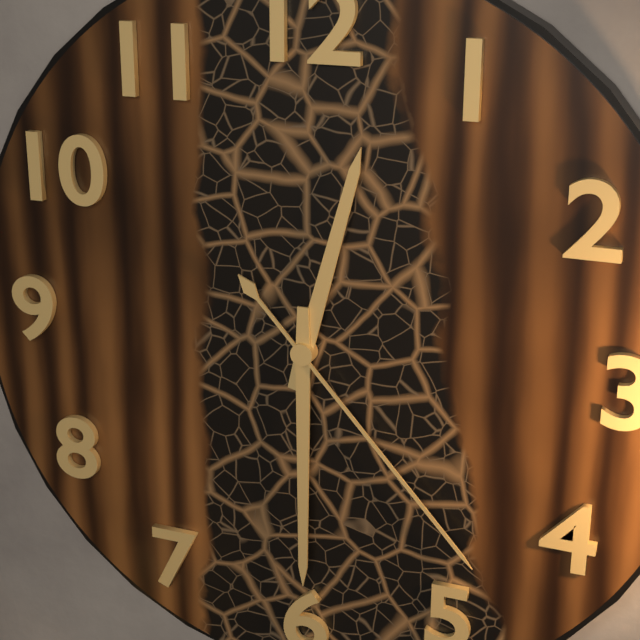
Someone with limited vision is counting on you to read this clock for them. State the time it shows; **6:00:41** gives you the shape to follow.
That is **12:30:23**
